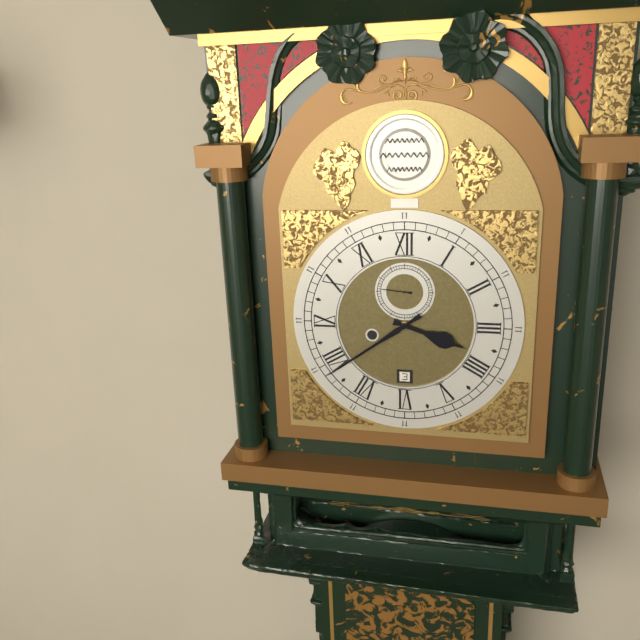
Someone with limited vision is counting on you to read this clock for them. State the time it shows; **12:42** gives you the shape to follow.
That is **3:39**
